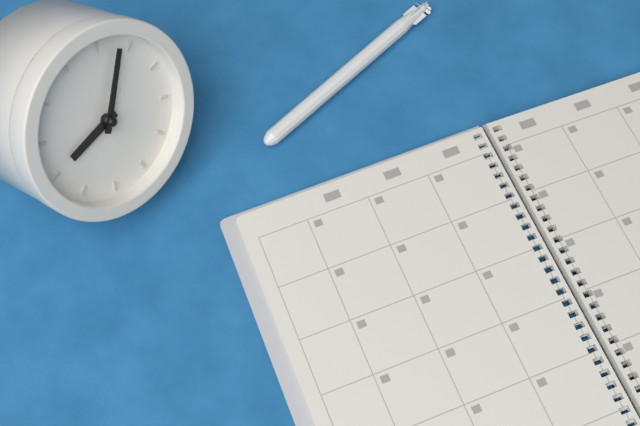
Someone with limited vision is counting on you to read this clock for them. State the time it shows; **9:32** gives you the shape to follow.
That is **8:03**
